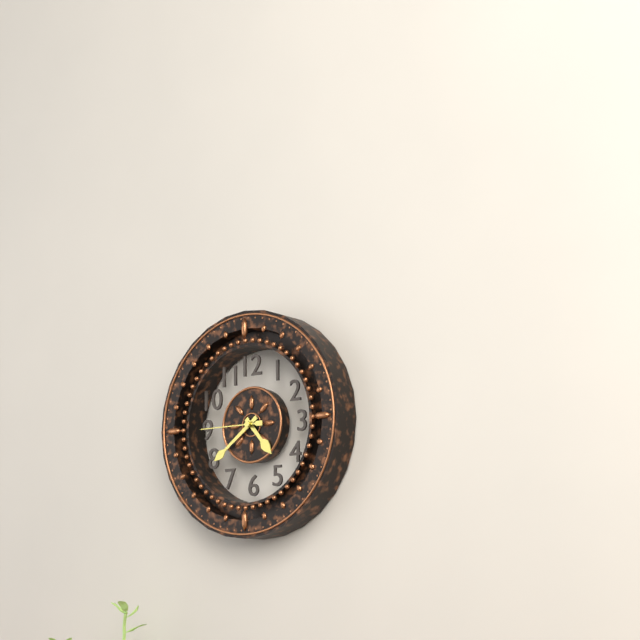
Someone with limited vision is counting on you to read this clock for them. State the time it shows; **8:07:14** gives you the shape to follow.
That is **4:39:45**
